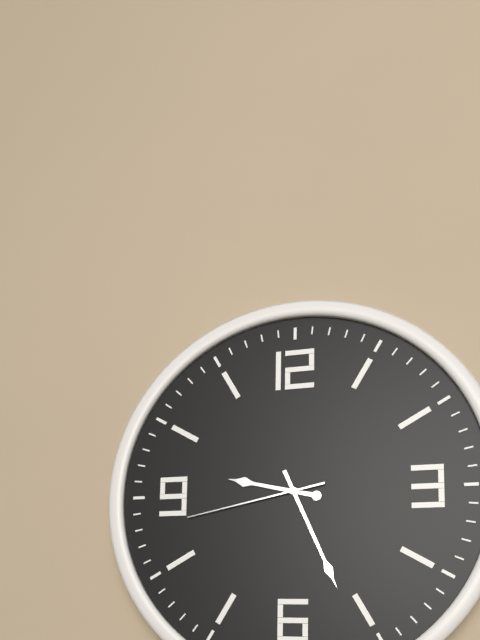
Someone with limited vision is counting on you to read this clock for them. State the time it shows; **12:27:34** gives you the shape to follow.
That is **9:26:43**
